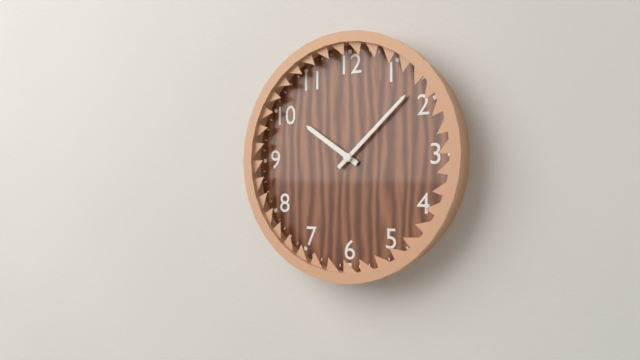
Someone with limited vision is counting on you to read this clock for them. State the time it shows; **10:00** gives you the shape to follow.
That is **10:08**
